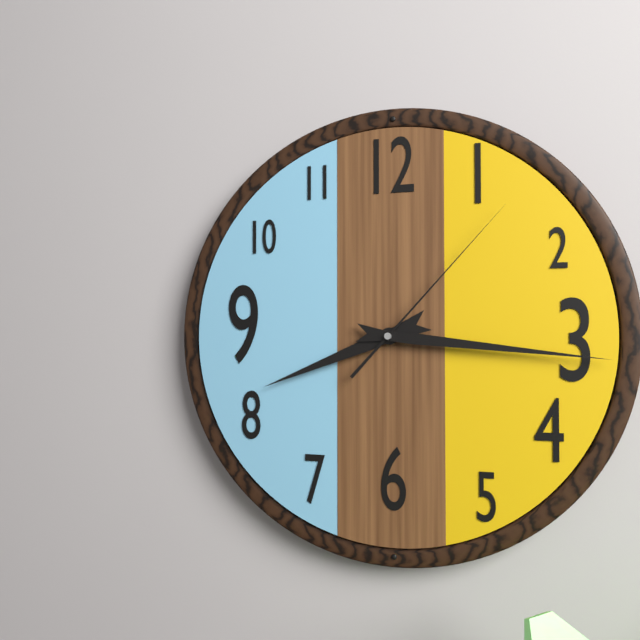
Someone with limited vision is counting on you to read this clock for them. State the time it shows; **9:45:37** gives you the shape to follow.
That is **8:16:07**
